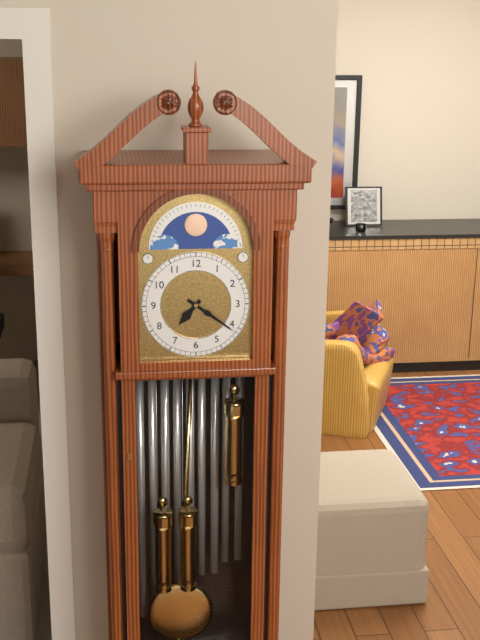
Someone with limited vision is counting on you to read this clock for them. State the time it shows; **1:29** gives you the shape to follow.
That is **7:21**
